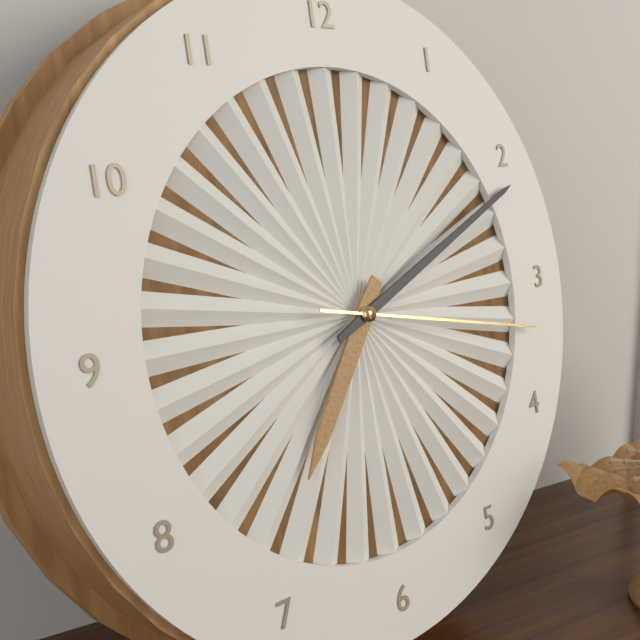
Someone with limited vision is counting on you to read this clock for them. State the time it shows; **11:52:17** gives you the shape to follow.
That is **7:11:17**
